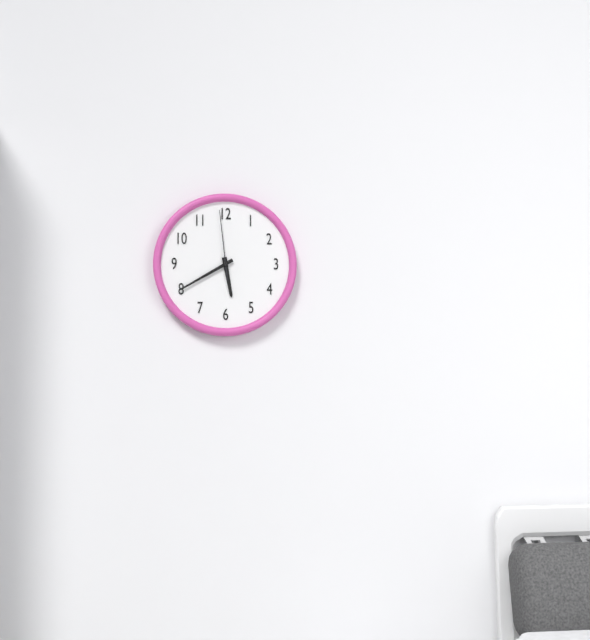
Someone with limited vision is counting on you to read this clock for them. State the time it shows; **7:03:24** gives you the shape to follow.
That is **5:40:59**
